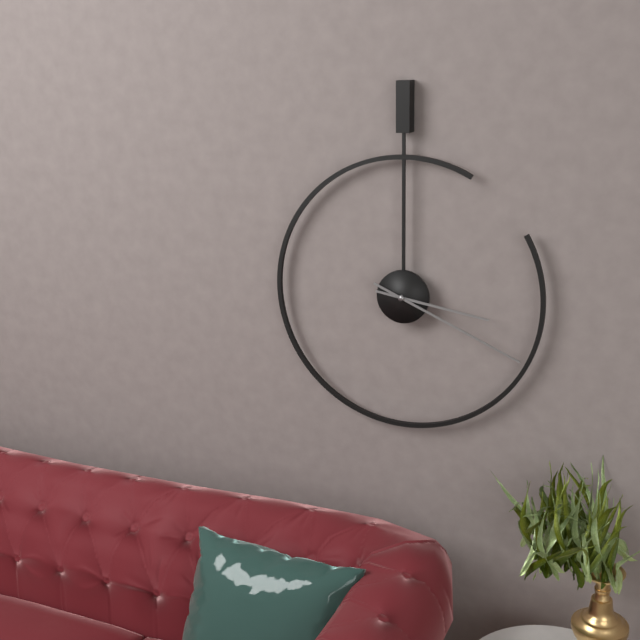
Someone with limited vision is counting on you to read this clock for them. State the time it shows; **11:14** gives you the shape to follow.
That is **3:19**
